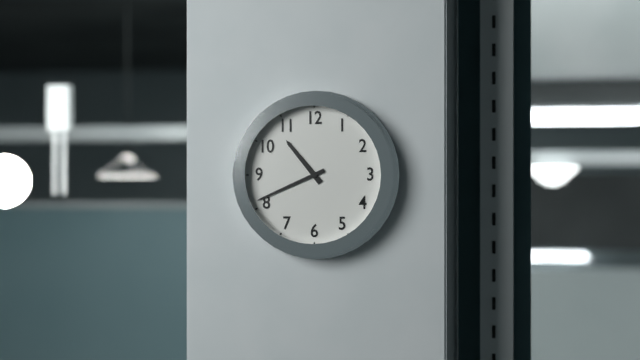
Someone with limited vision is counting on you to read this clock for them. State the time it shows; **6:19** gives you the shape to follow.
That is **10:41**
